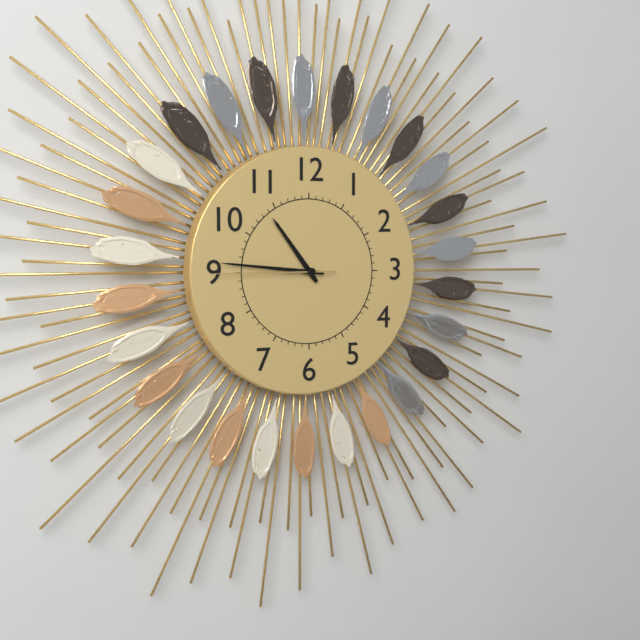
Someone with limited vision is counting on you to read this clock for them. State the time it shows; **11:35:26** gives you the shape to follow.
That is **10:46:45**
